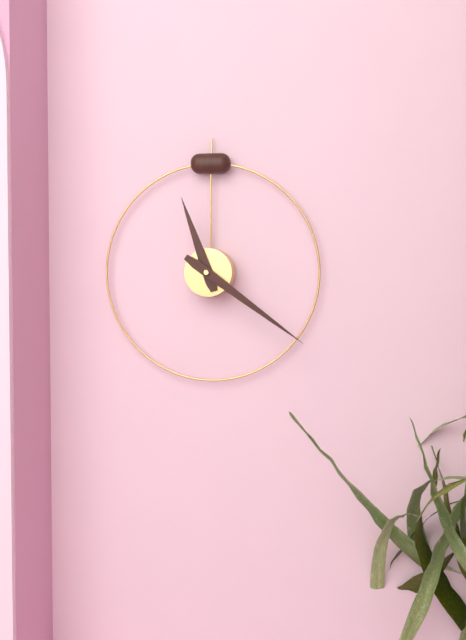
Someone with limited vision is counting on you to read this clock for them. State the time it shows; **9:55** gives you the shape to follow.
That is **11:21**
